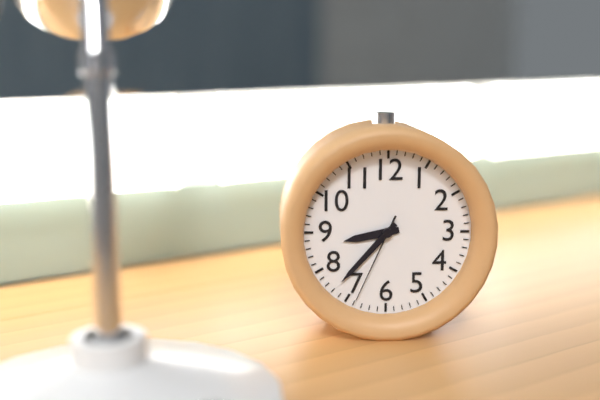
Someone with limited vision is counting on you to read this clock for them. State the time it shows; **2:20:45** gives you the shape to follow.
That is **8:37:34**
